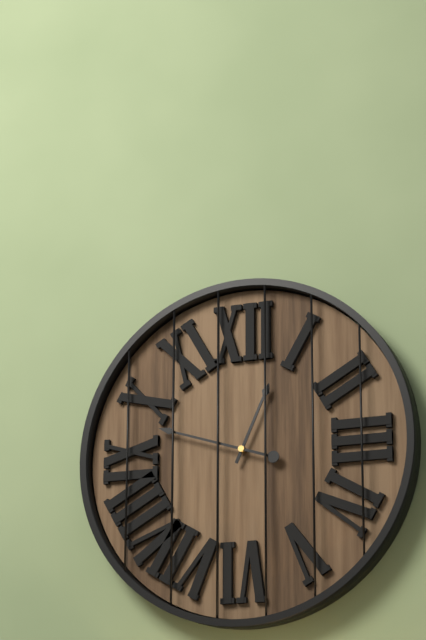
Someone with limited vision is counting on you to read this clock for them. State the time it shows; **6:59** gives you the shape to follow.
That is **12:48**
